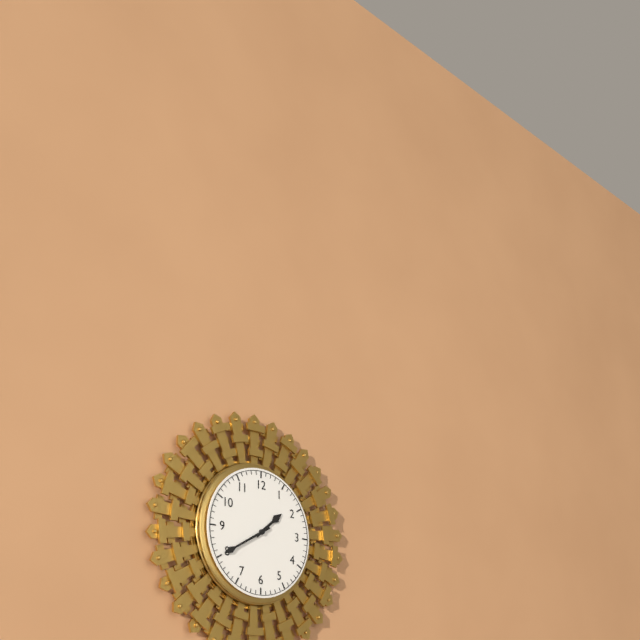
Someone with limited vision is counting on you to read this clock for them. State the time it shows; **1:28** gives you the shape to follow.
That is **1:40**
